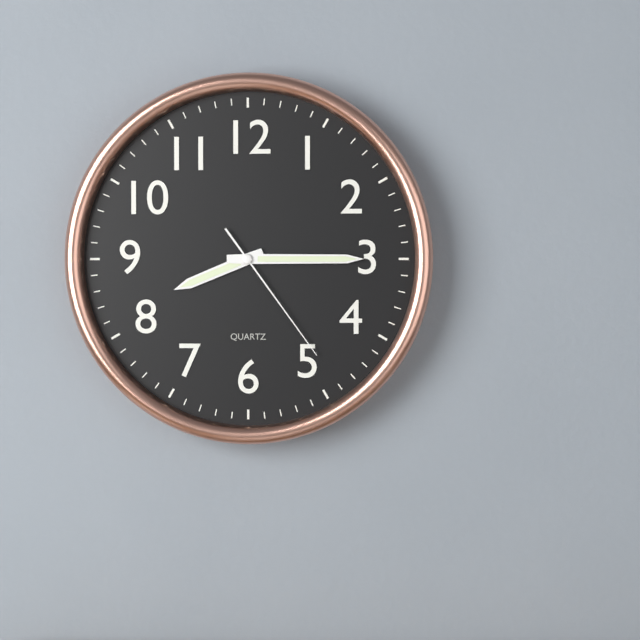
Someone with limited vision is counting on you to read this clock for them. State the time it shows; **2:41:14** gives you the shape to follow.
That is **8:15:24**
